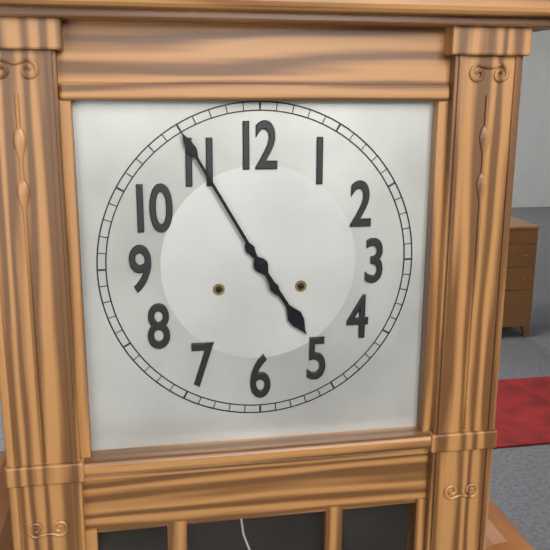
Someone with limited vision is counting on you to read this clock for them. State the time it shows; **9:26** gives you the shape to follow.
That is **4:55**
